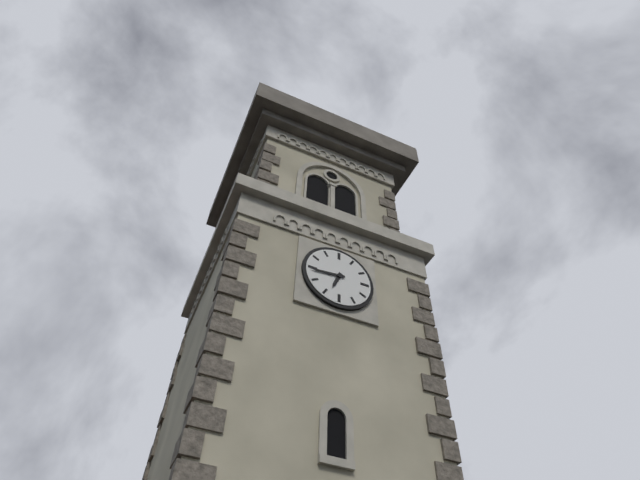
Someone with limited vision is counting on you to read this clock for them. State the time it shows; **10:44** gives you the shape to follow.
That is **6:44**
